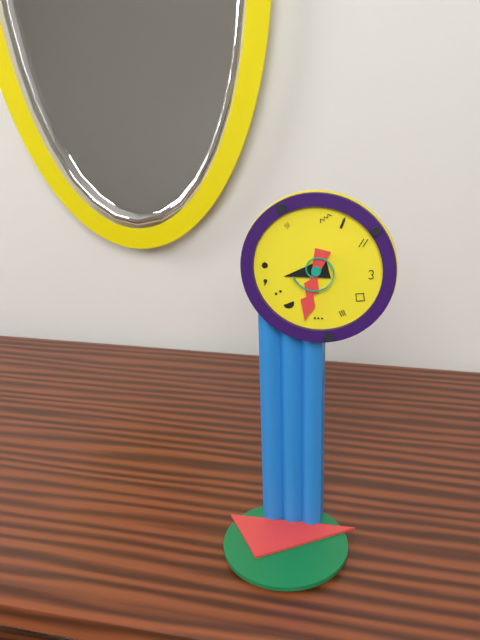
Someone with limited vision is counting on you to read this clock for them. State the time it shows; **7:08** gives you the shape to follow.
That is **8:32**
